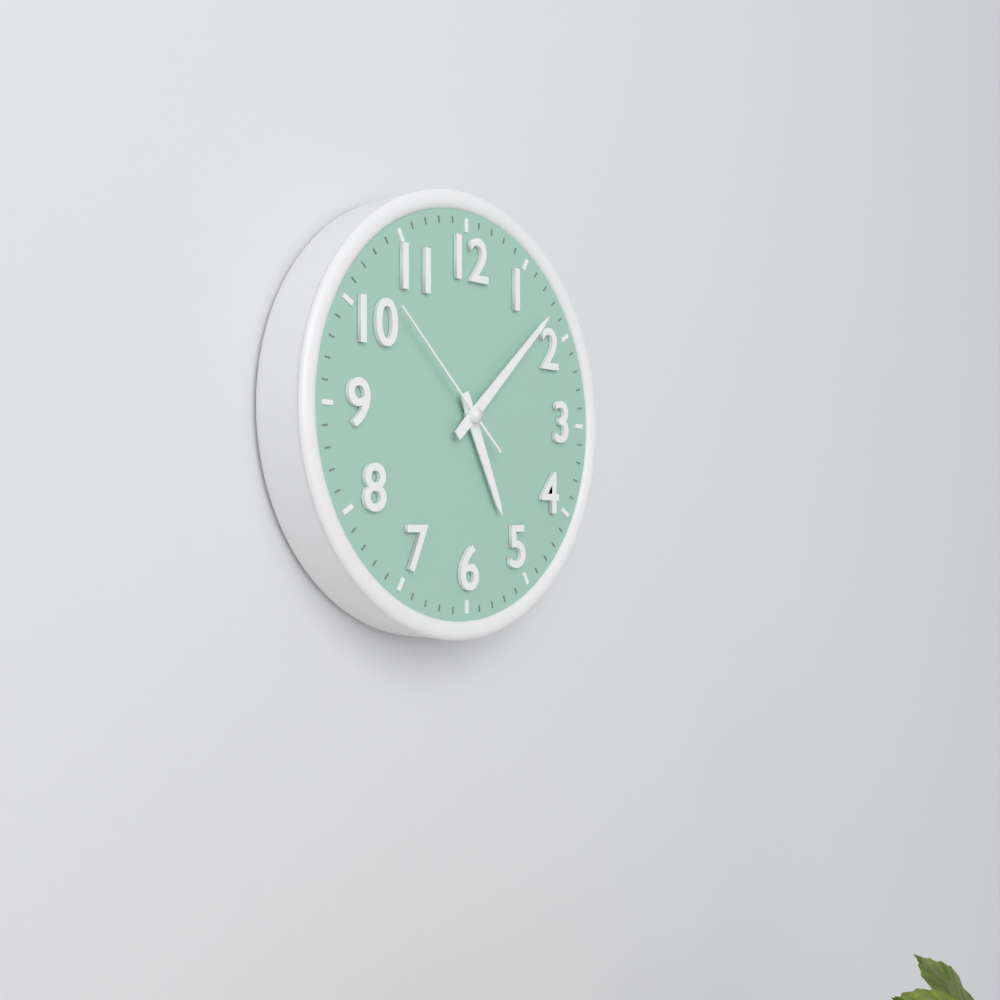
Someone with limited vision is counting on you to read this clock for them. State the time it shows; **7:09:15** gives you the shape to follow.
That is **5:08:52**
